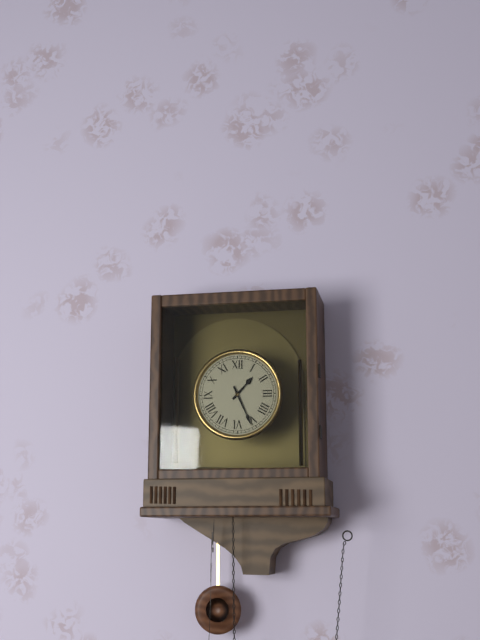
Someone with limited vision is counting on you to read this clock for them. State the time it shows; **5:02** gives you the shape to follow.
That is **1:26**
